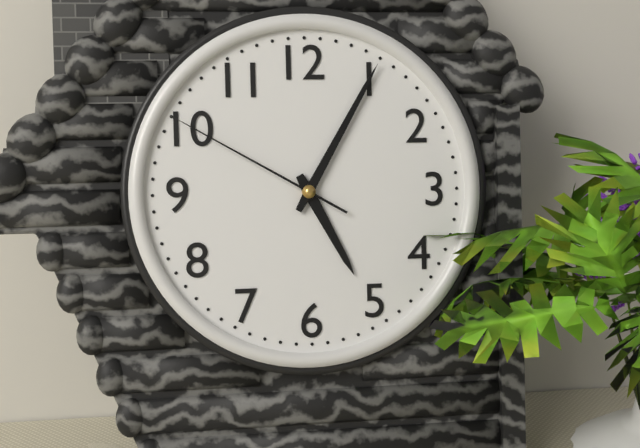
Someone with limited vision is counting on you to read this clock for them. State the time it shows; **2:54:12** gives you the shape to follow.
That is **5:05:50**
